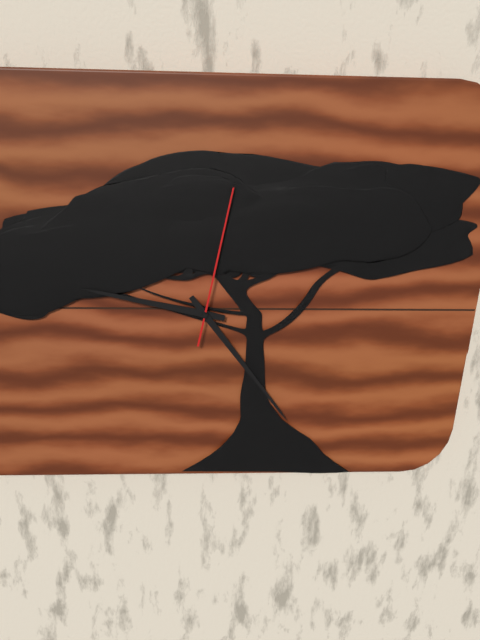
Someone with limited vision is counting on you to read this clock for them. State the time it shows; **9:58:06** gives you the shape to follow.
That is **9:24:02**
